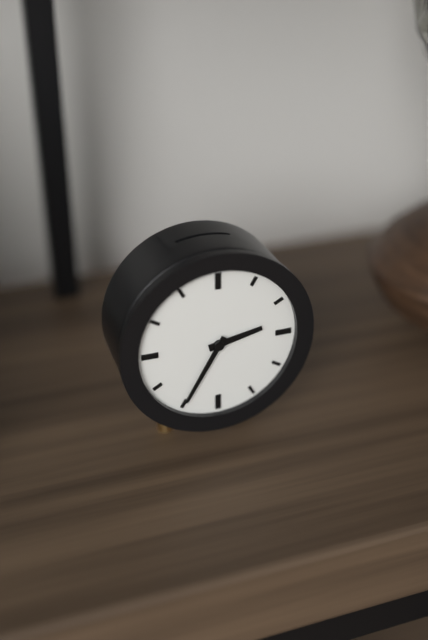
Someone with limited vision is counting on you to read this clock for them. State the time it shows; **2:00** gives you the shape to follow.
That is **2:35**
